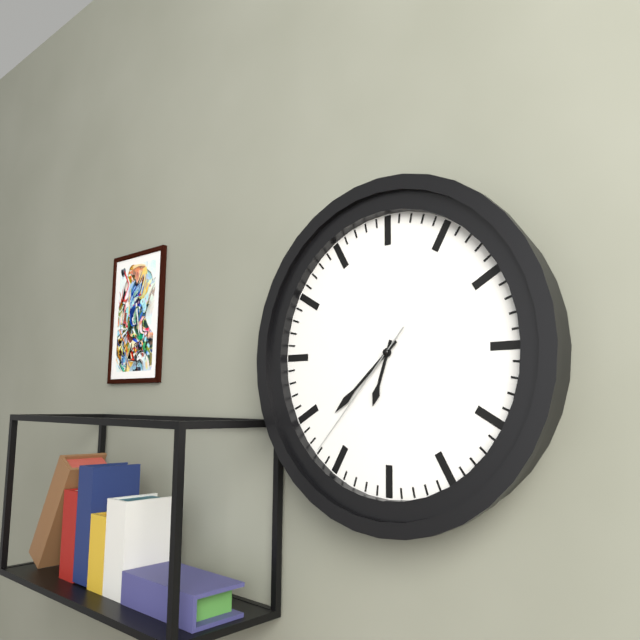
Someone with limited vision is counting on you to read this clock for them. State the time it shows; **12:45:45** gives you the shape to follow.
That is **6:38:37**
